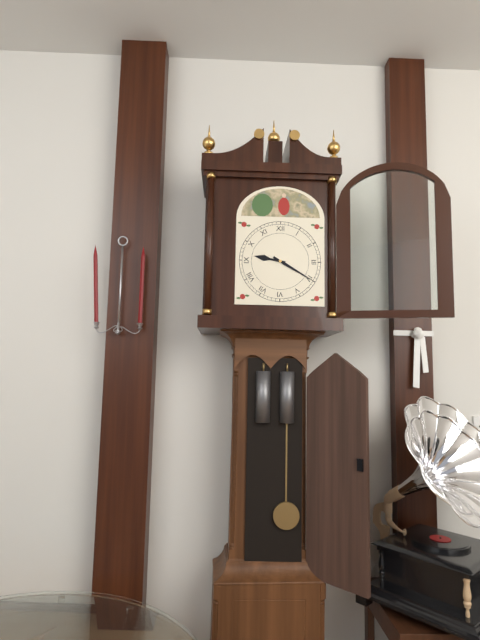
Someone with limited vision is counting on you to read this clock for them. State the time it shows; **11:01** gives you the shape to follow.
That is **9:20**
